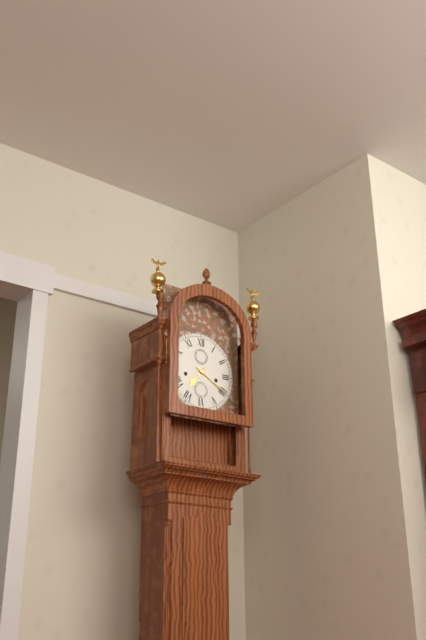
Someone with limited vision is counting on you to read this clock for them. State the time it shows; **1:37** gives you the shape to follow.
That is **7:20**
